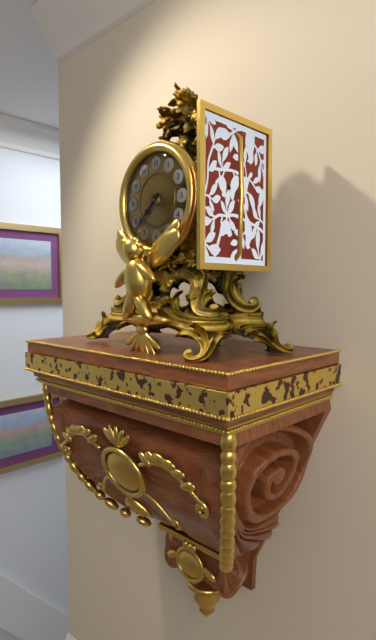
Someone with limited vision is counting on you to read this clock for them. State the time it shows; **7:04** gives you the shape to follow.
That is **7:38**
